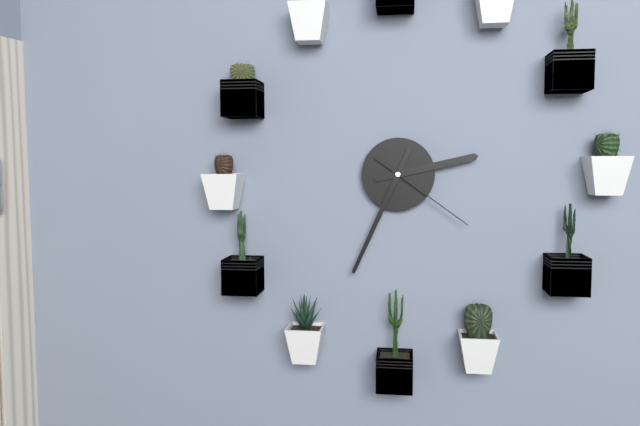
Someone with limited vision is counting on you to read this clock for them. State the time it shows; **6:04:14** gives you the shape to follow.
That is **2:34:21**
